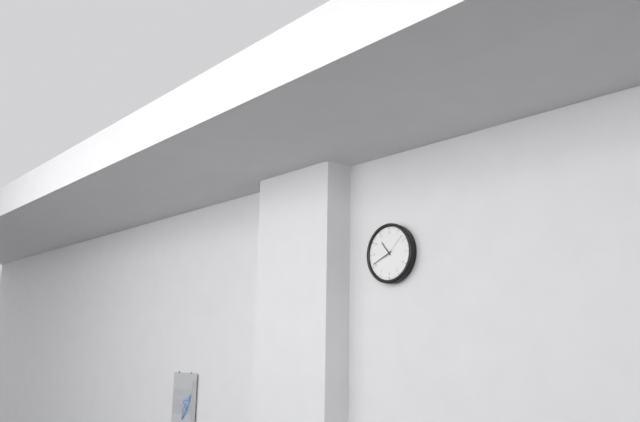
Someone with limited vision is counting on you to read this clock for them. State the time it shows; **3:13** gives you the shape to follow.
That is **10:41**
